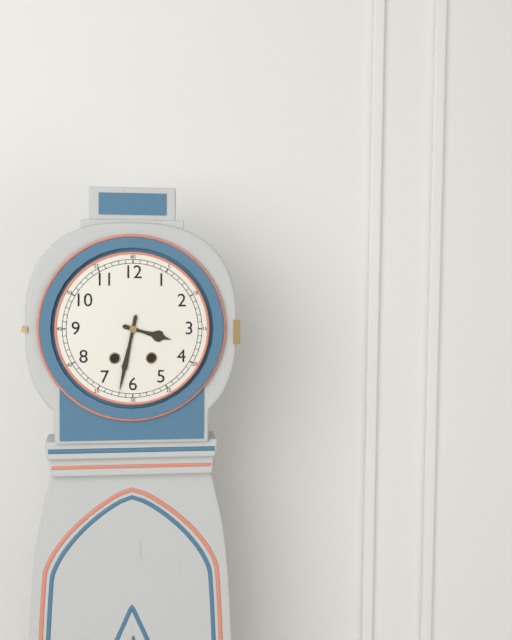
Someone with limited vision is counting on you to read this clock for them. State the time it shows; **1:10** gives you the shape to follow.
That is **3:32**
